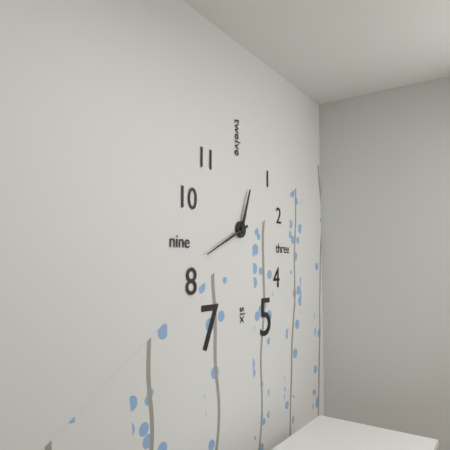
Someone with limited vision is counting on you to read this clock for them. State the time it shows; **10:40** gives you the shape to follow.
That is **12:41**
